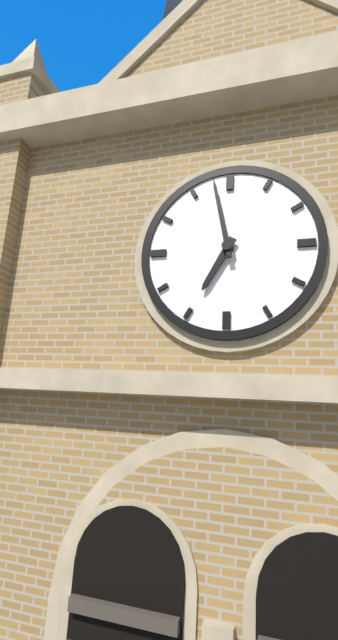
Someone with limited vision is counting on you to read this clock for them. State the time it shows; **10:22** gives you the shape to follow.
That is **6:58**
